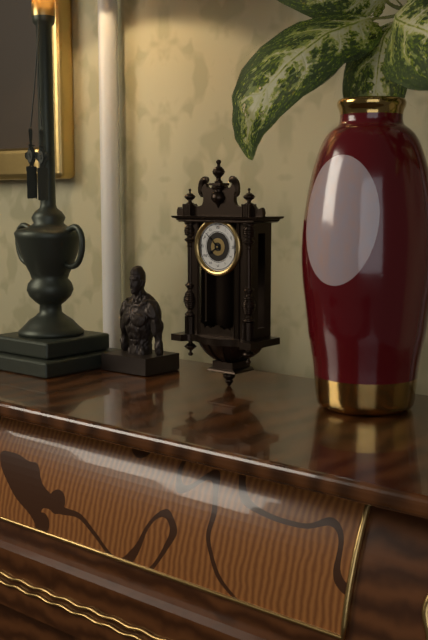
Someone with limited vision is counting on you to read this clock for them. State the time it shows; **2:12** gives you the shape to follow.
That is **7:52**
